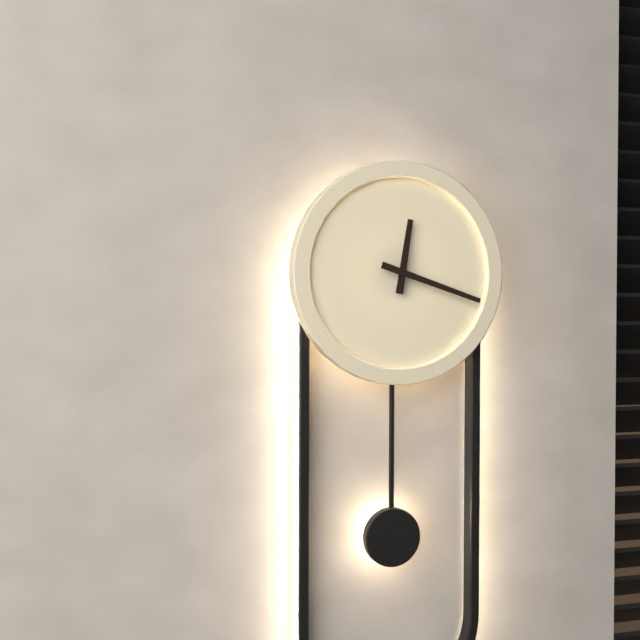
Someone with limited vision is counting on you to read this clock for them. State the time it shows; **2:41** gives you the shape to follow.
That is **12:18**
